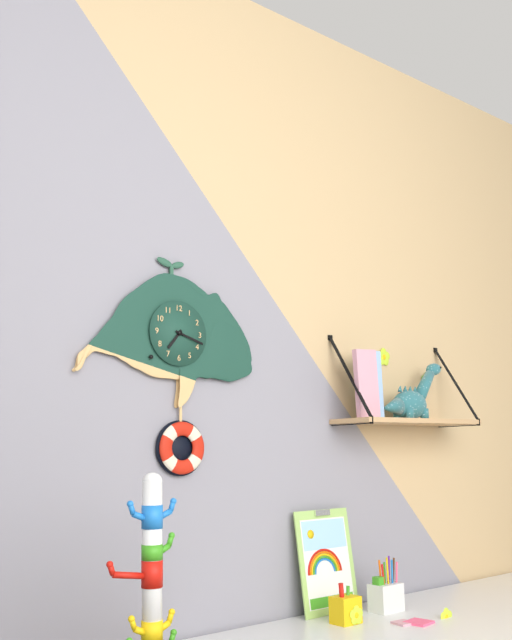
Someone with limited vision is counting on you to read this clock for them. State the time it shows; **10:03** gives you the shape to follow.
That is **7:18**
